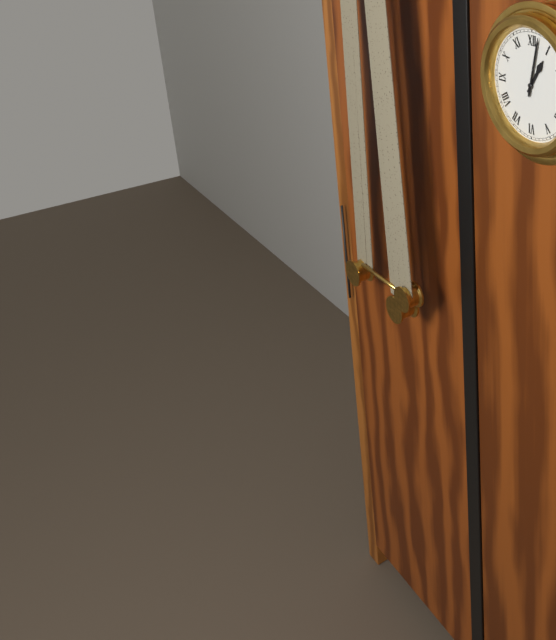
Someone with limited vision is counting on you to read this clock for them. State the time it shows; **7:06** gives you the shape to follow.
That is **1:02**
